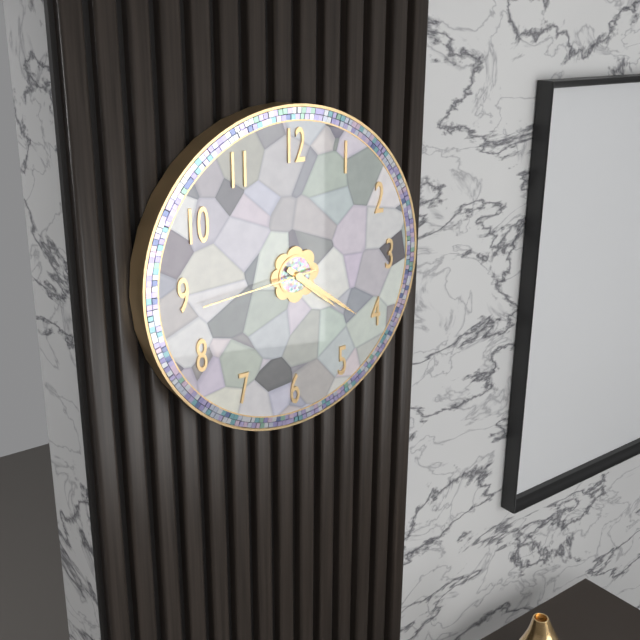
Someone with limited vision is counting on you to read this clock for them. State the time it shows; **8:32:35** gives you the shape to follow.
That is **4:21:44**
